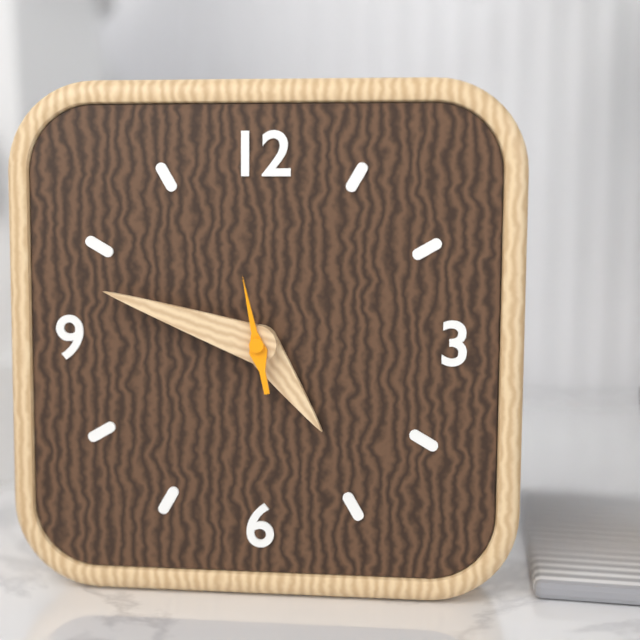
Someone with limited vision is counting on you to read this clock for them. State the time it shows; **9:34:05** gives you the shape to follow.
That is **4:48:58**
